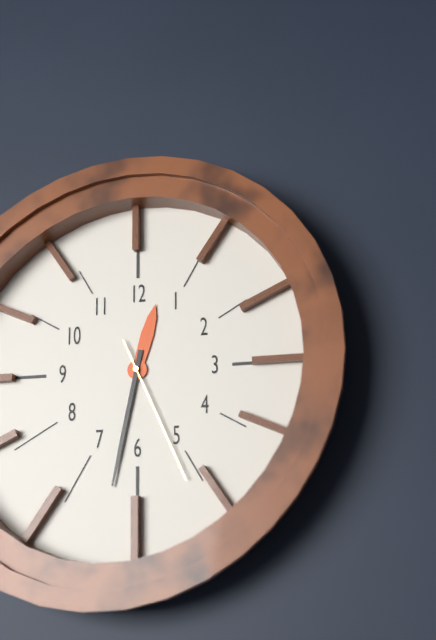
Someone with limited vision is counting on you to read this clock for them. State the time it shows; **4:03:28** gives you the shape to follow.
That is **12:32:26**
